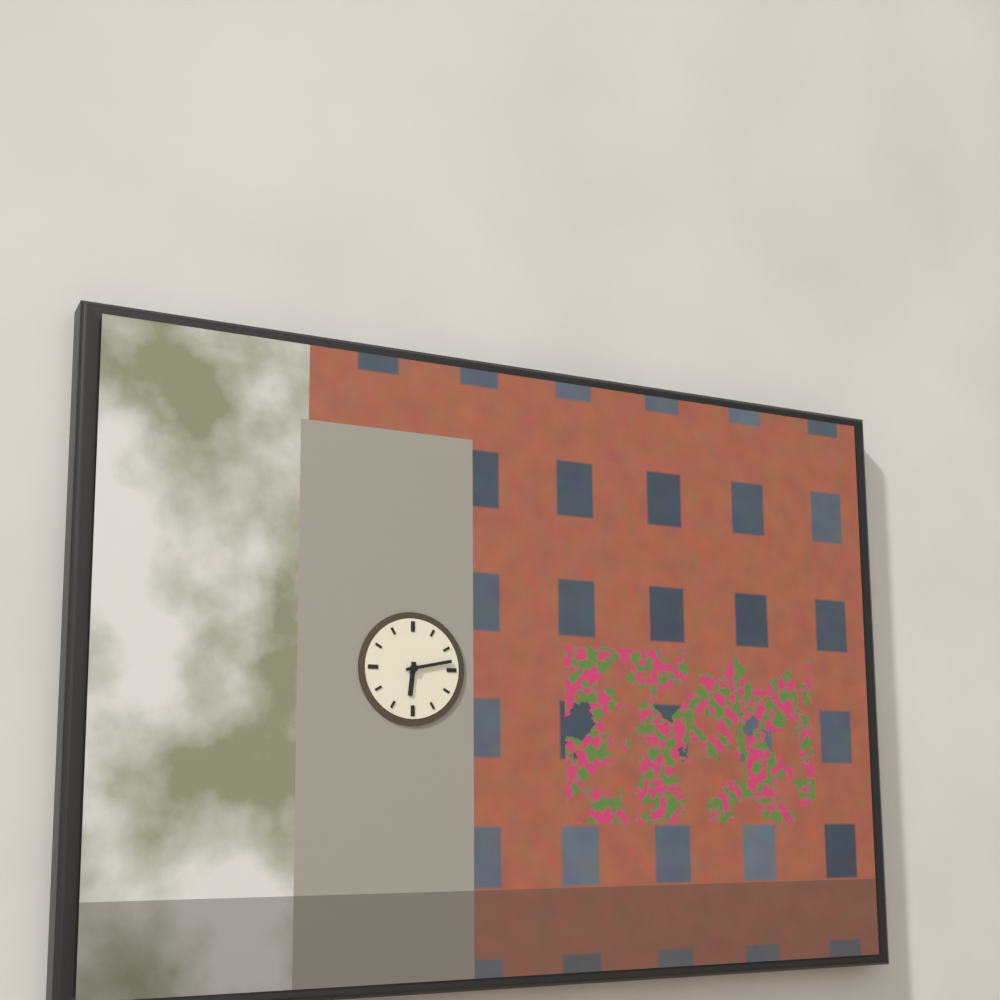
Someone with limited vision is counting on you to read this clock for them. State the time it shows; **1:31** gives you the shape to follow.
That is **6:13**
